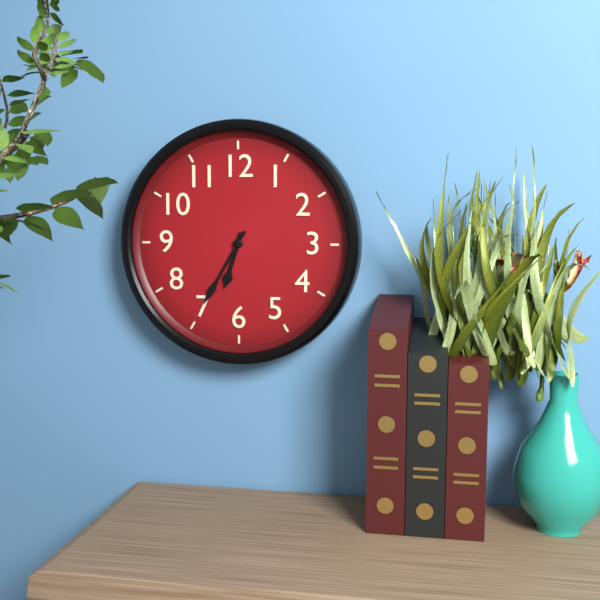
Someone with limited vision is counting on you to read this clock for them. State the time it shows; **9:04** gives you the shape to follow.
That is **6:35**
